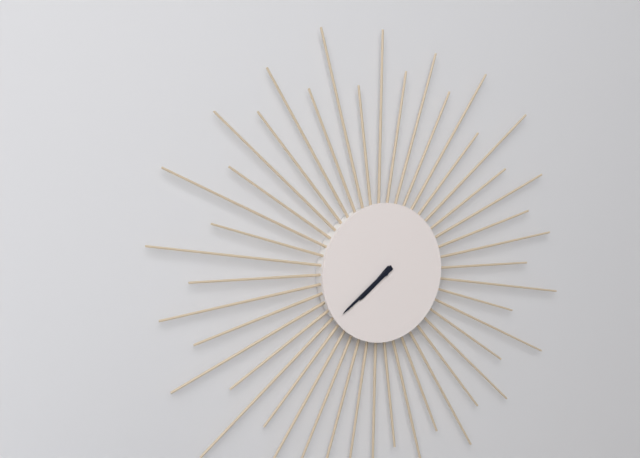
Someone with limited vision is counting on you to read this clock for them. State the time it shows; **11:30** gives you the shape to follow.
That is **7:39**
